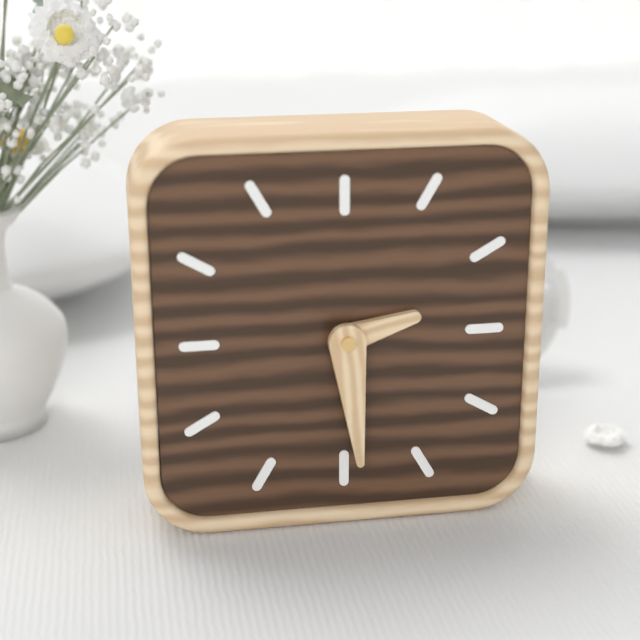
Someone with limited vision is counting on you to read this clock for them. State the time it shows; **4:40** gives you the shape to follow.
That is **2:29**
